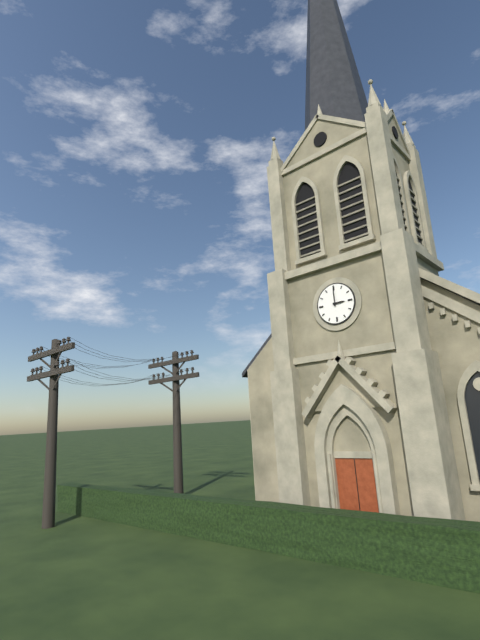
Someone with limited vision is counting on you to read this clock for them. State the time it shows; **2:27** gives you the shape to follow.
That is **3:00**
